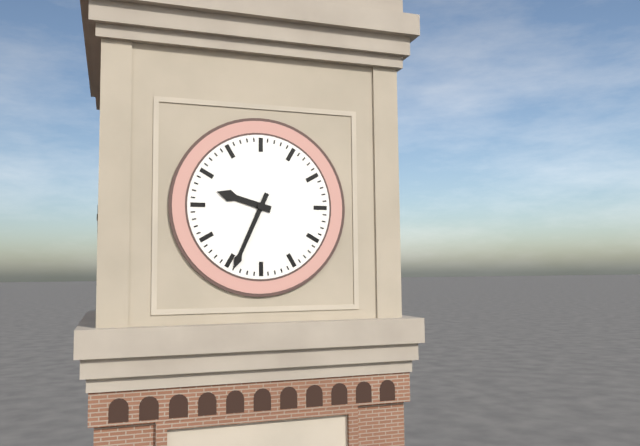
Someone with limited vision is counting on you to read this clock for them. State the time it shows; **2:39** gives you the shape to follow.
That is **9:34**
